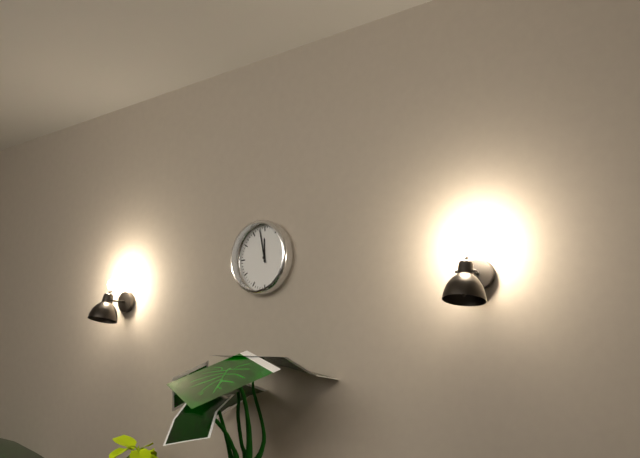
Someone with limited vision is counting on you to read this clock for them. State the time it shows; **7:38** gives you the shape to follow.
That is **11:58**
